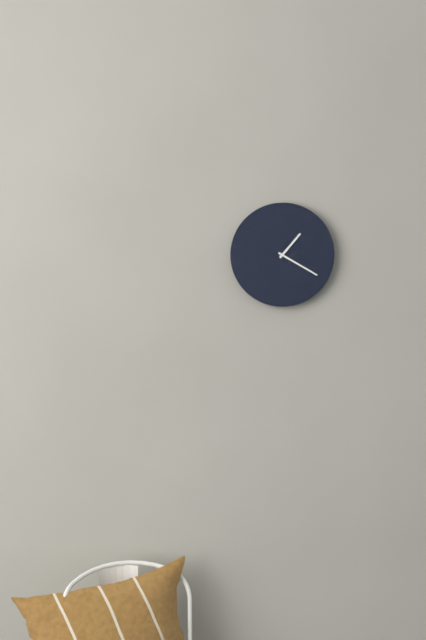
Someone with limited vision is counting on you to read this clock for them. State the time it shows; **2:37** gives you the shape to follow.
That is **1:20**
